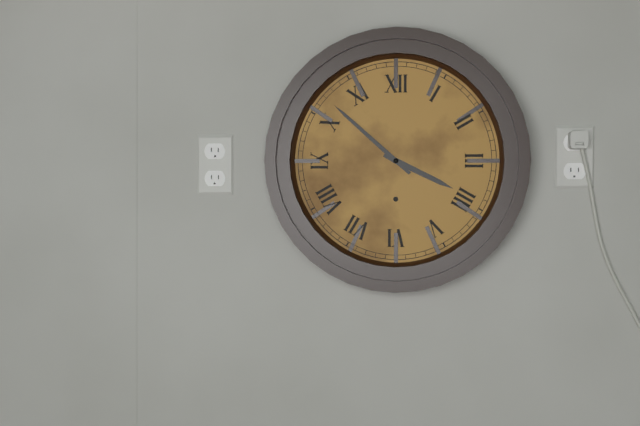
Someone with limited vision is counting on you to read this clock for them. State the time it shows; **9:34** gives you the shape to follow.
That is **3:52**
